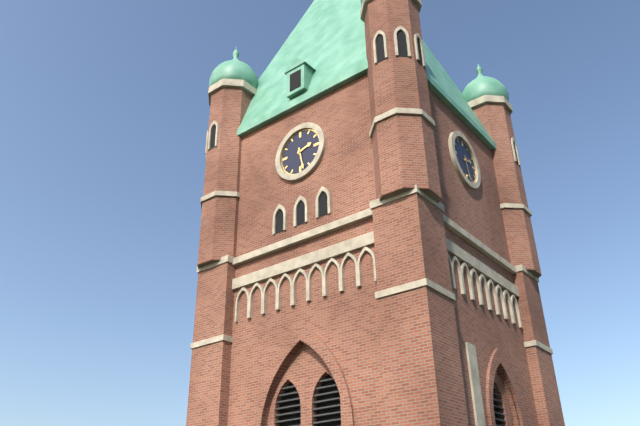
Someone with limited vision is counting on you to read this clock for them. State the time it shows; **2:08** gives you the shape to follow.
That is **2:28**
